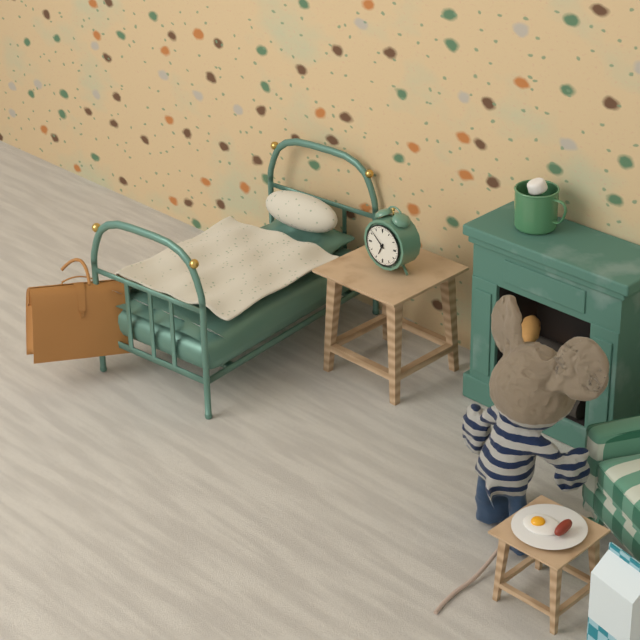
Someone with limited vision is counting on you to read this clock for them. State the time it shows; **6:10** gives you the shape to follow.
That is **6:52**
